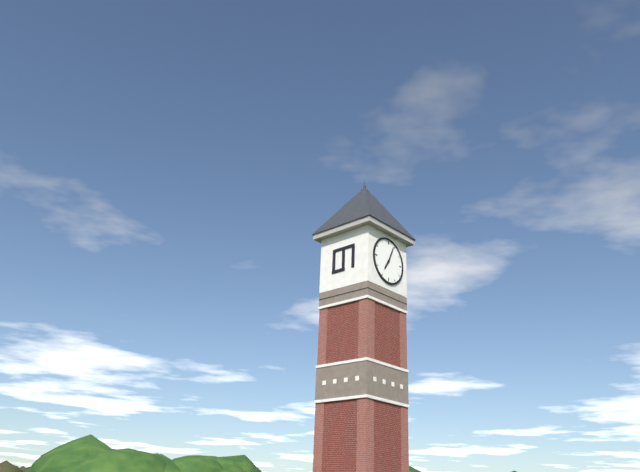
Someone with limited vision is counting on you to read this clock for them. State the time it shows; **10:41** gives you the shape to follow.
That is **7:04**
